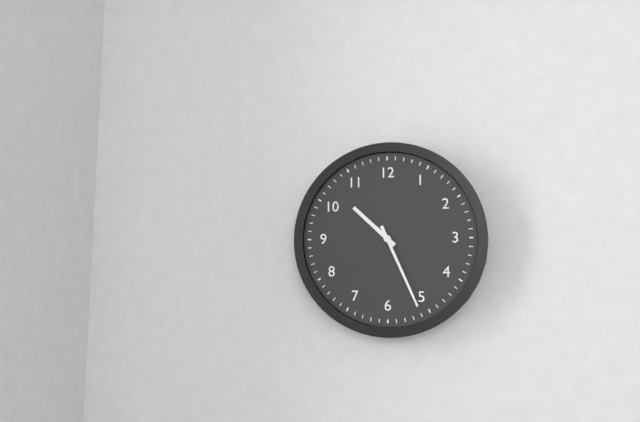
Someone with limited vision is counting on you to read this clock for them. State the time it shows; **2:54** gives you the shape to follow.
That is **10:26**
